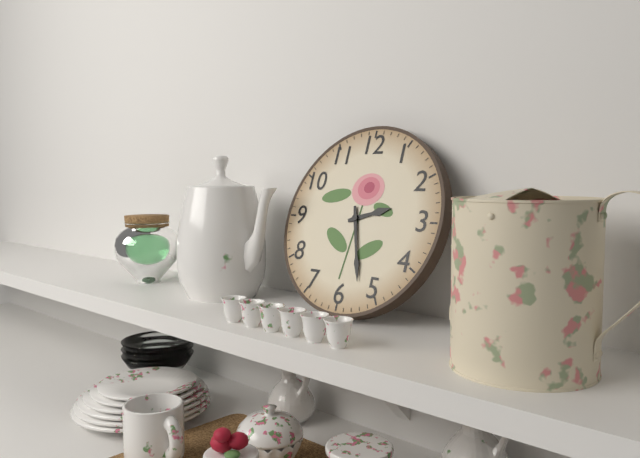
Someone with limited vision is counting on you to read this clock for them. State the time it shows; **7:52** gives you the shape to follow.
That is **2:27**
